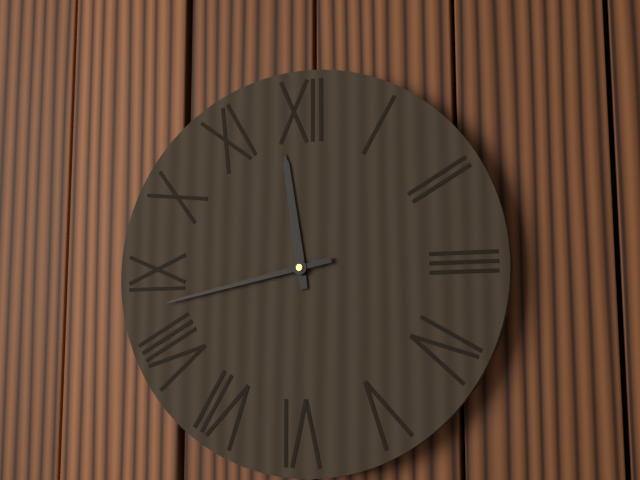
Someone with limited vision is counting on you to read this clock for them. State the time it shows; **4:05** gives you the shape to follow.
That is **11:43**
